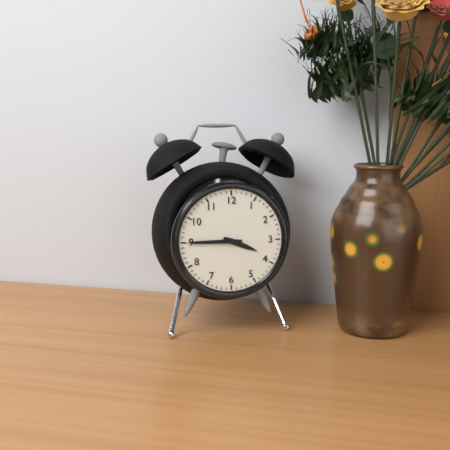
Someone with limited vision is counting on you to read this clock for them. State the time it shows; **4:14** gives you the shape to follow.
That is **3:45**
